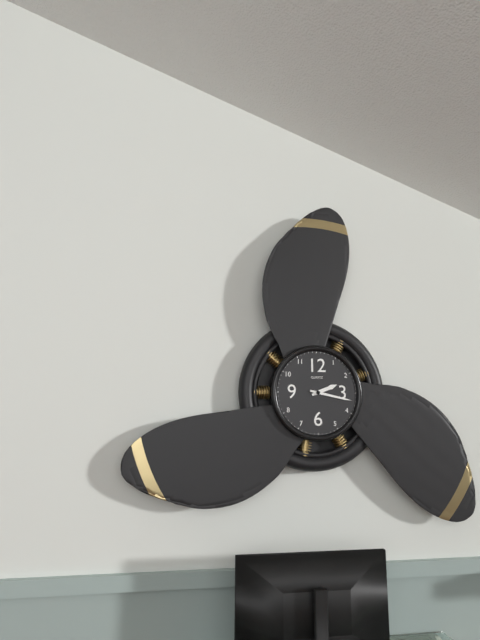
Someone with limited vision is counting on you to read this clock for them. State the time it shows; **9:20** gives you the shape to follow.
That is **2:17**
